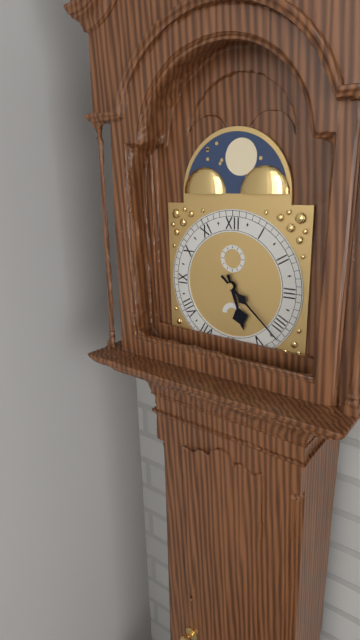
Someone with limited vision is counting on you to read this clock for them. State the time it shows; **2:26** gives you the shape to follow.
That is **5:22**
